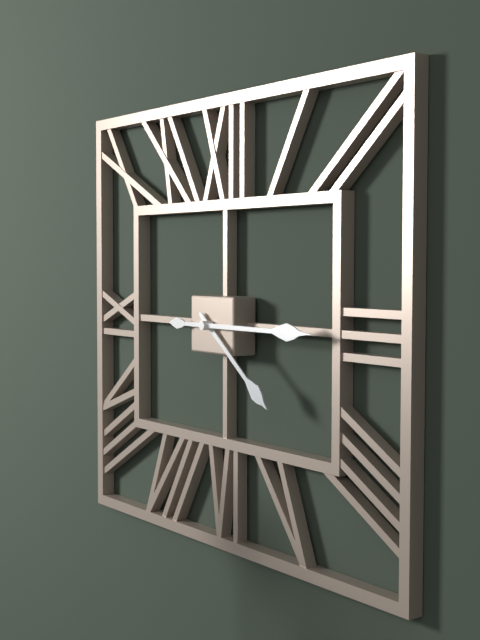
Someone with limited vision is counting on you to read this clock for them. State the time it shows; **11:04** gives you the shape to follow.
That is **4:15**
